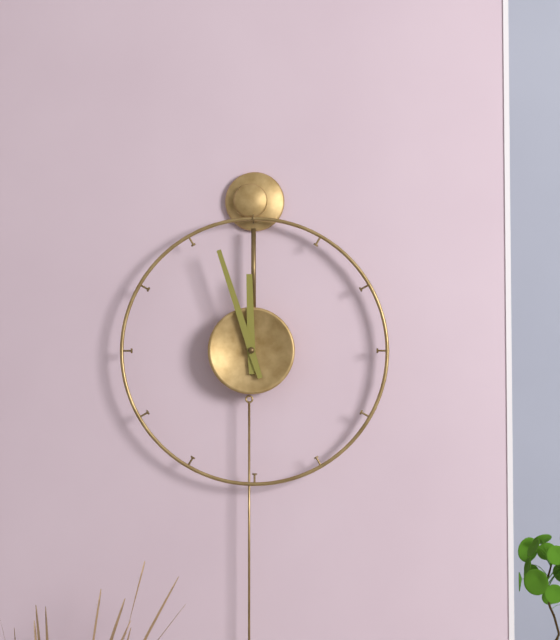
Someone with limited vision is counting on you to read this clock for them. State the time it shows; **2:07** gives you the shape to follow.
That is **11:57**
